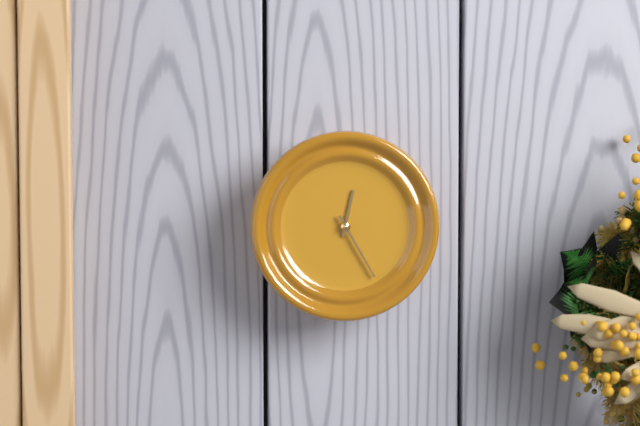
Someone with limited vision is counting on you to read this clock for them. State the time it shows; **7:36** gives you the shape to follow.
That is **12:25**
